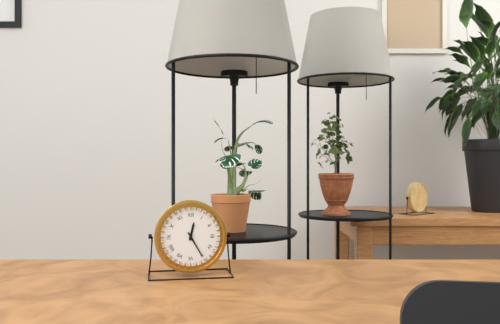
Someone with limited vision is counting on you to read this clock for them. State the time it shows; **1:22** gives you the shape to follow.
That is **12:25**
